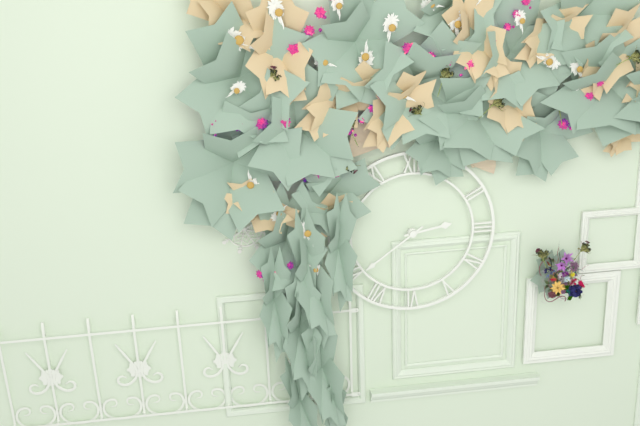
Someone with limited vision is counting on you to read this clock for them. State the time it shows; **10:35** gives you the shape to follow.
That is **2:39**
